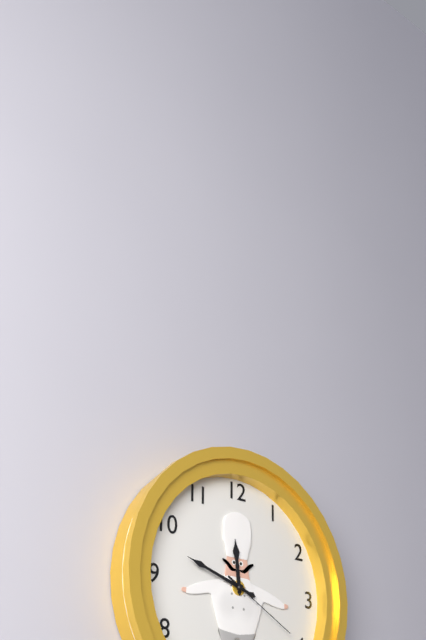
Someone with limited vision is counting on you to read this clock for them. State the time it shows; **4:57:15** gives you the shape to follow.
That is **11:48:20**
